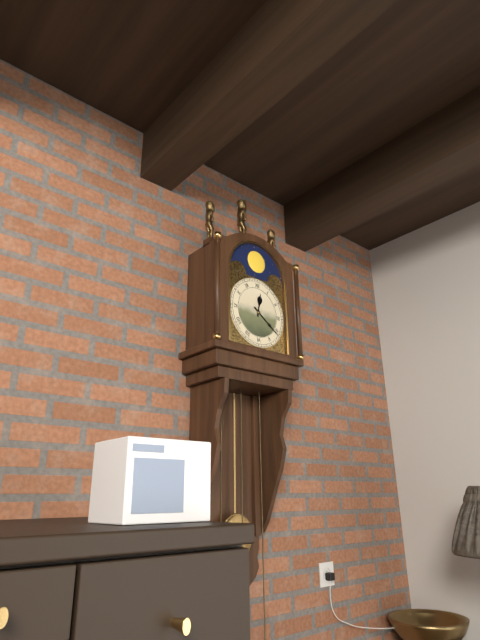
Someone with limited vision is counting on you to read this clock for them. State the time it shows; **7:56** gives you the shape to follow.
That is **12:21**
